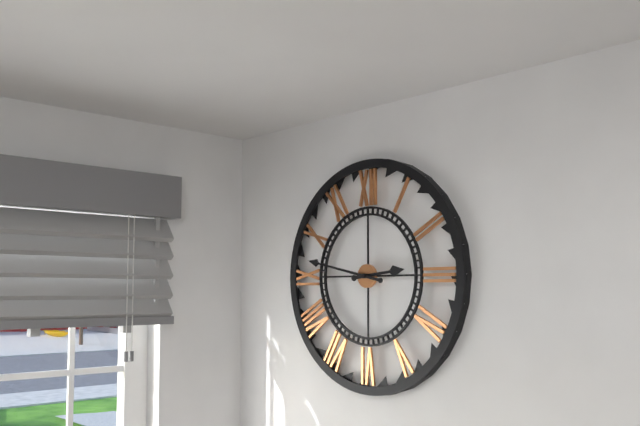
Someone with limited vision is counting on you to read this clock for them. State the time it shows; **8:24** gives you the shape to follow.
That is **2:47**
